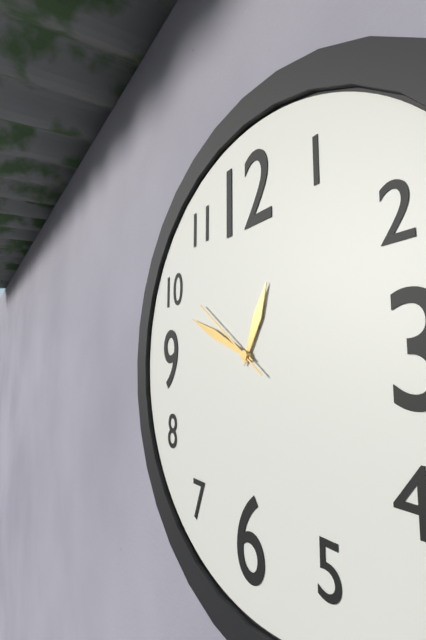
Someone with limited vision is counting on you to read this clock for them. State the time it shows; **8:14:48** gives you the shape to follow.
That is **12:49:51**
